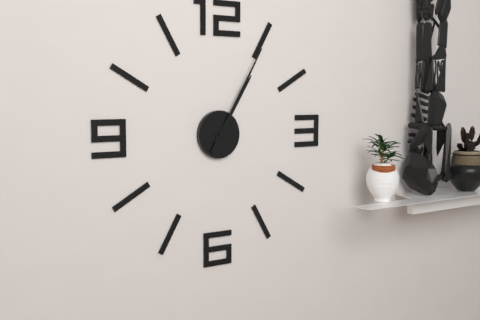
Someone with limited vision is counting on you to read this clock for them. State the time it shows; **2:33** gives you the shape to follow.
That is **1:05**
